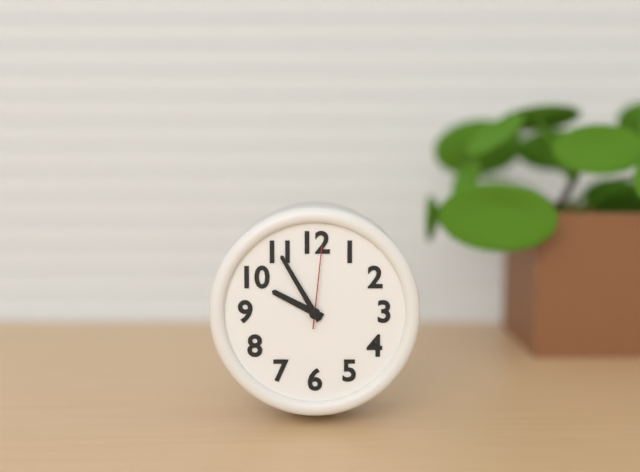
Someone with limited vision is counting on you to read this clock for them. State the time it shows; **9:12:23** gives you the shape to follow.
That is **9:55:01**
